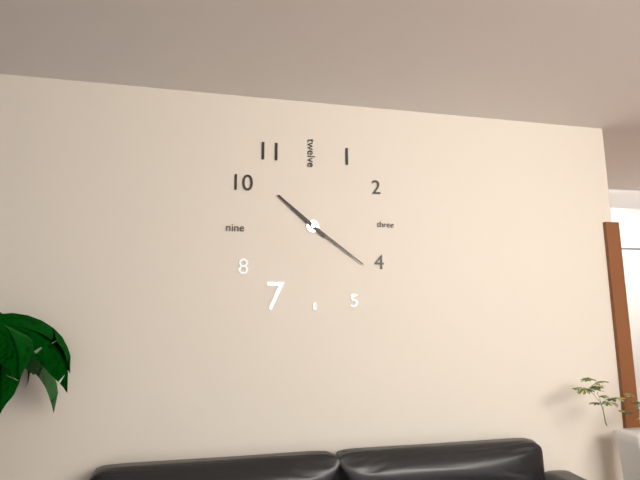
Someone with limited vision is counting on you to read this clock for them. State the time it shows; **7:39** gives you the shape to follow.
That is **10:21**
